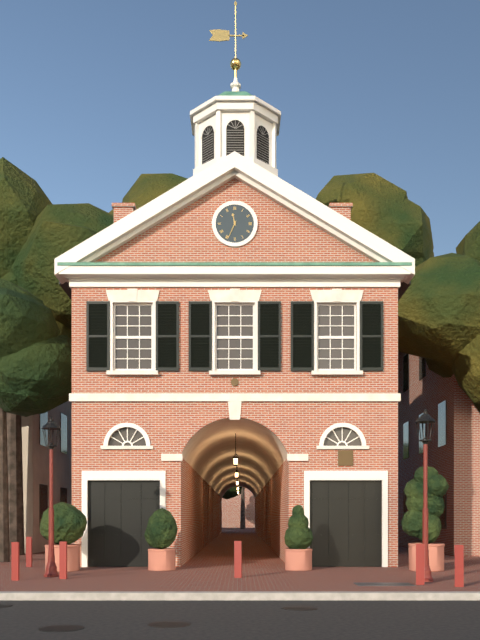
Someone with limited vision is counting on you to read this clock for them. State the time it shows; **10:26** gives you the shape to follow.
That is **11:34**
